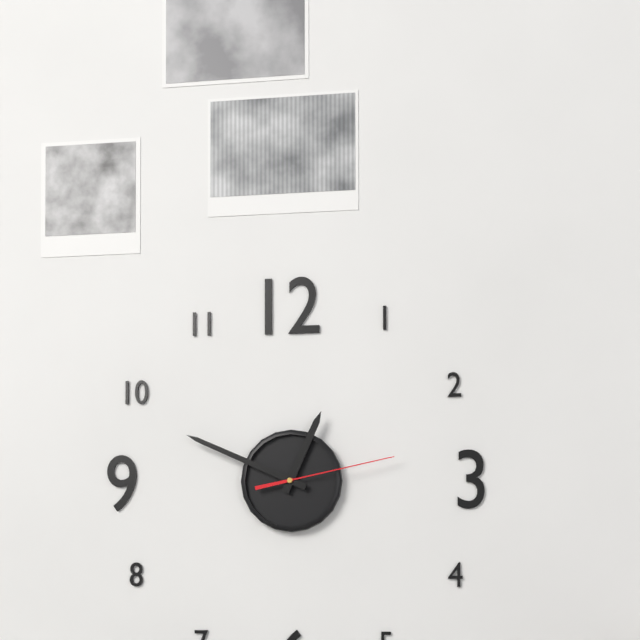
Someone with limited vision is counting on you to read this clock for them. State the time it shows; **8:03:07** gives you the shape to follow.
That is **12:49:13**
